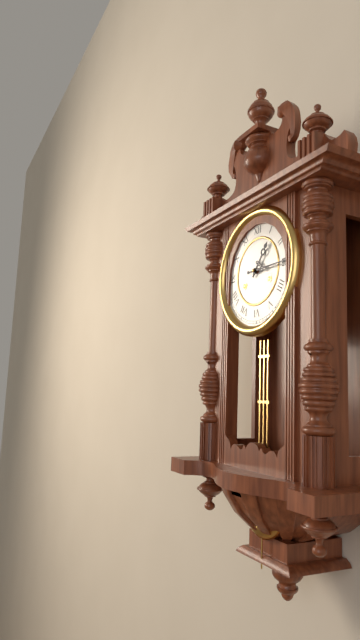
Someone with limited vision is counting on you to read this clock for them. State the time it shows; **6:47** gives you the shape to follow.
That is **1:15**
